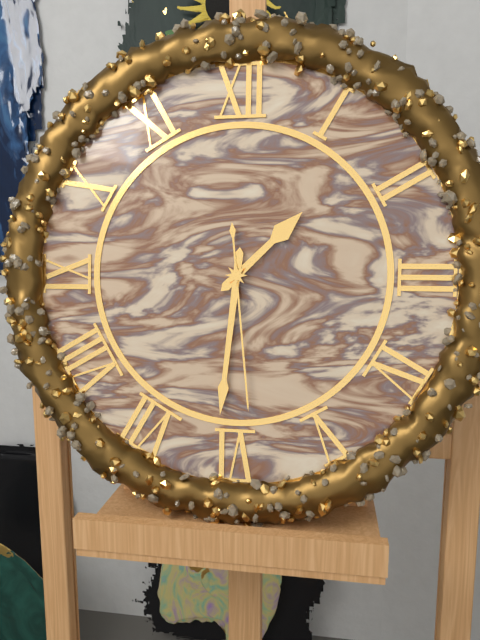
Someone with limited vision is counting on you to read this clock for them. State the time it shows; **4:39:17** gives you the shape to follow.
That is **1:31:29**
